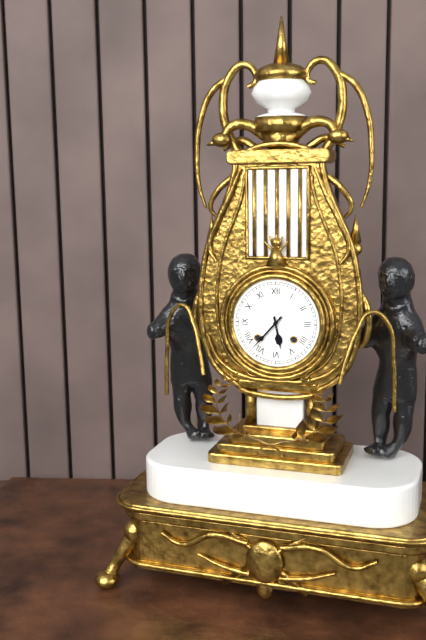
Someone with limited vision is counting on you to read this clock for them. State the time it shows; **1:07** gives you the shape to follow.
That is **5:37**
